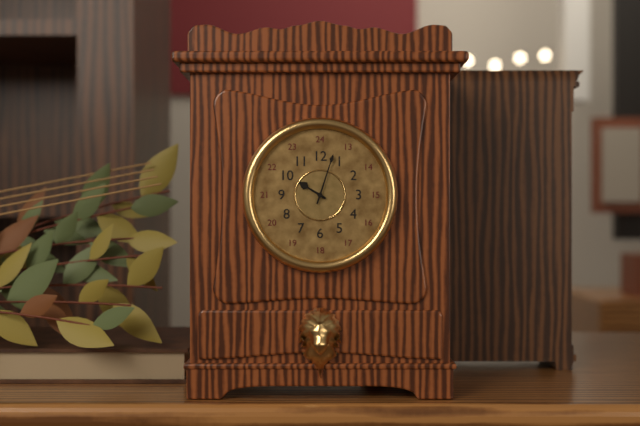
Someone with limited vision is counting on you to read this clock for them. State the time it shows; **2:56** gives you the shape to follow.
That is **10:03**
